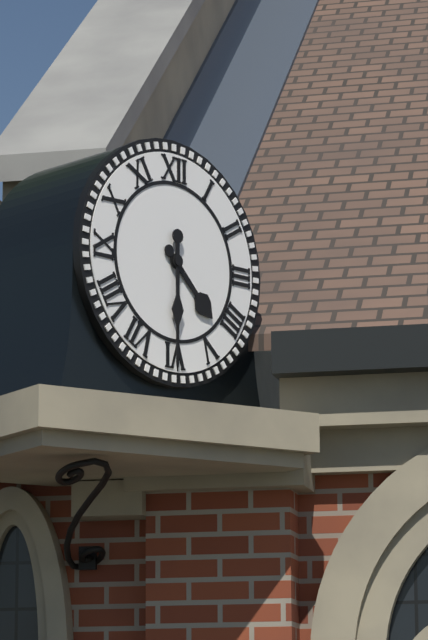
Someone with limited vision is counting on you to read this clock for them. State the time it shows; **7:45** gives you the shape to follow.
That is **4:30**
